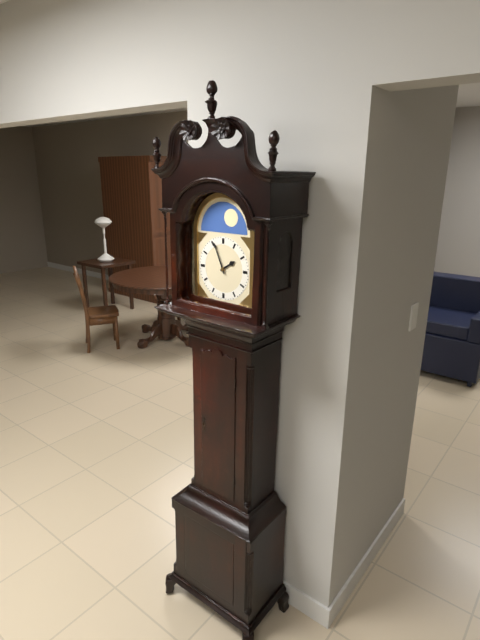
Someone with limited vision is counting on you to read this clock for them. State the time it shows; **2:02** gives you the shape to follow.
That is **1:56**
